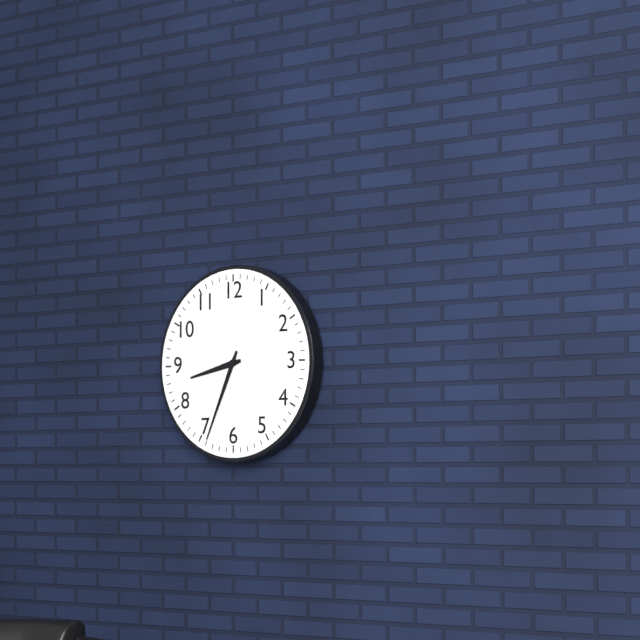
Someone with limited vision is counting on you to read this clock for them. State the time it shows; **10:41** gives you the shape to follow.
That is **8:34**
